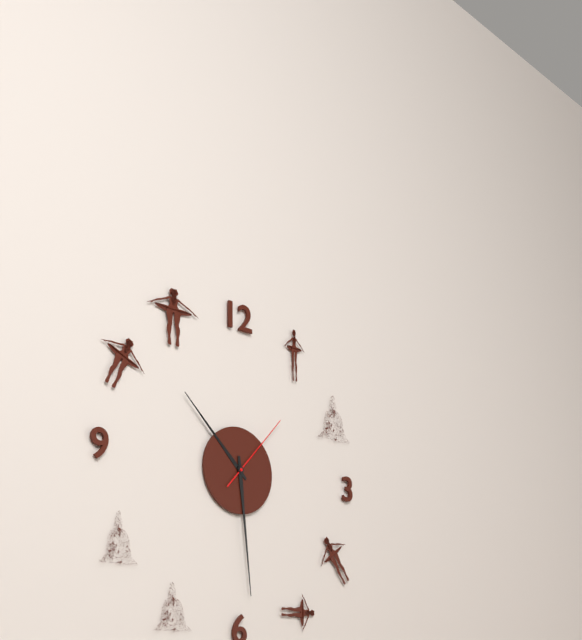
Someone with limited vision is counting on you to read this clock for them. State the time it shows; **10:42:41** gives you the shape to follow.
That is **10:29:07**
